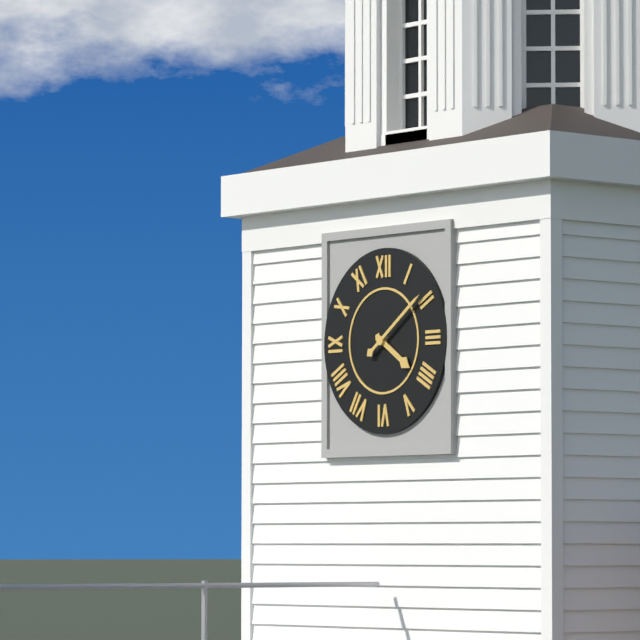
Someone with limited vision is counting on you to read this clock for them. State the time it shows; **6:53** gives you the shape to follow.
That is **4:09**
